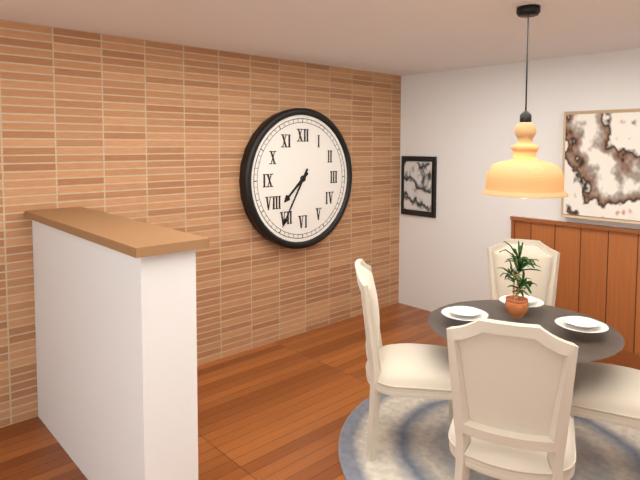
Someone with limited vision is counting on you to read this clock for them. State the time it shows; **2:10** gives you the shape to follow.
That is **7:35**
